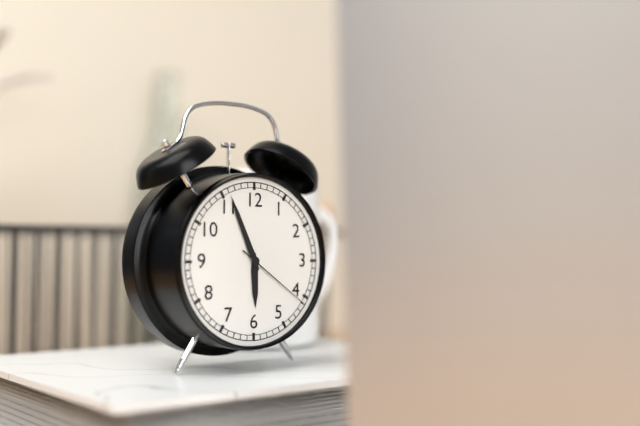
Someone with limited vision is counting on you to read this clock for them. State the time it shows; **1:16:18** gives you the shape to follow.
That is **5:56:21**
